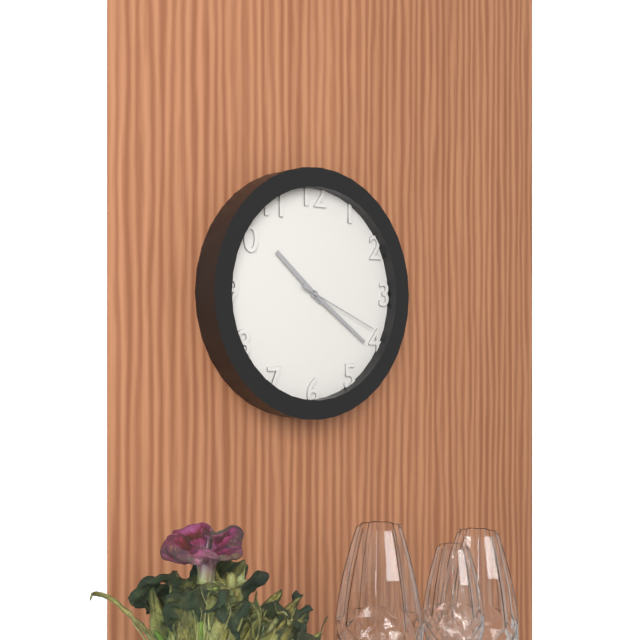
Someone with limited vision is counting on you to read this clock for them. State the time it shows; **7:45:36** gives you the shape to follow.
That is **10:21:19**
